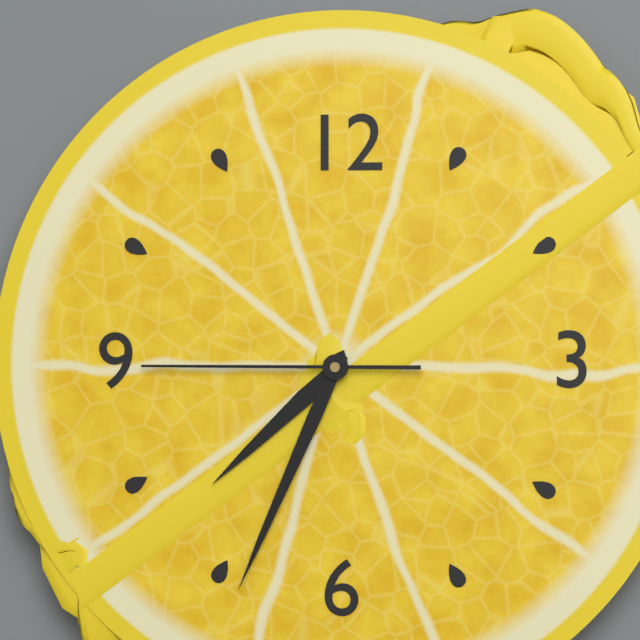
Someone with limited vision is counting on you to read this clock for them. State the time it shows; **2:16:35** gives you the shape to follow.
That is **7:34:45**
